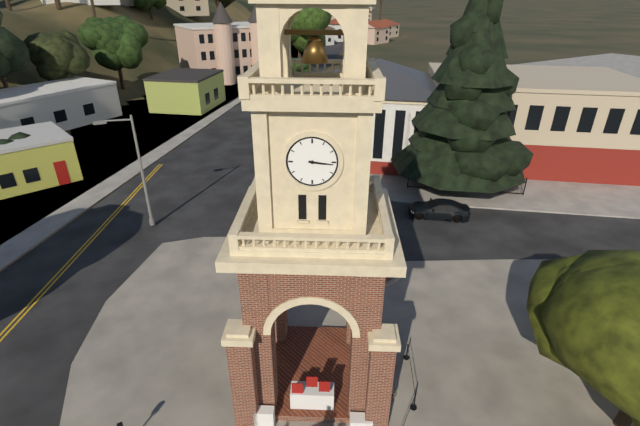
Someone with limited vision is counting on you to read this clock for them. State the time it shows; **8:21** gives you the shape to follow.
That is **3:16**
